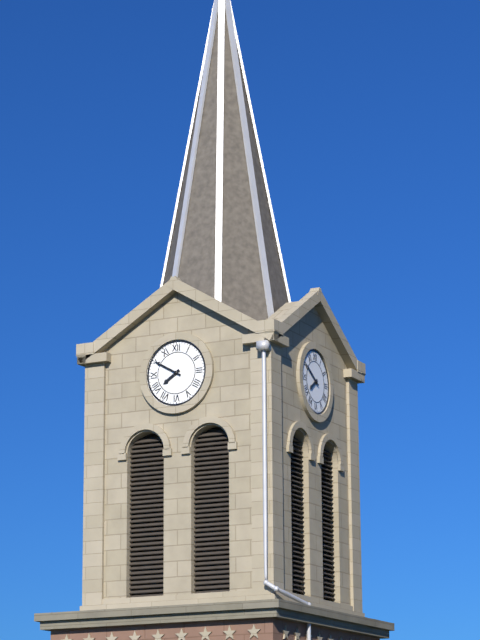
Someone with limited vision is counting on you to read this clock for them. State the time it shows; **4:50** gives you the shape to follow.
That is **7:50**
